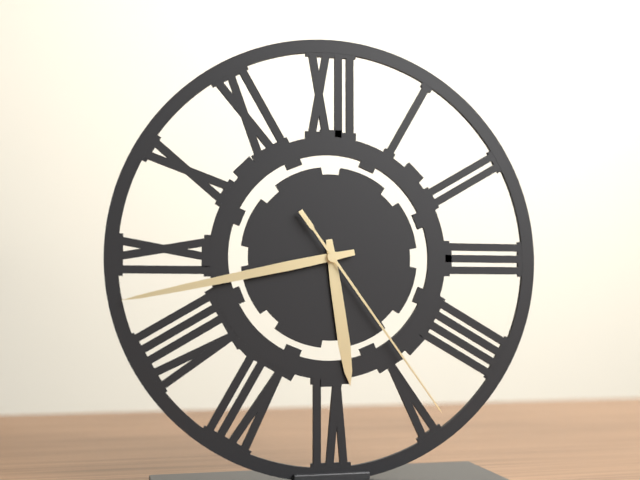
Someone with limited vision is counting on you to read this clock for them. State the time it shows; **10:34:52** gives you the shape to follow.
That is **5:43:24**
